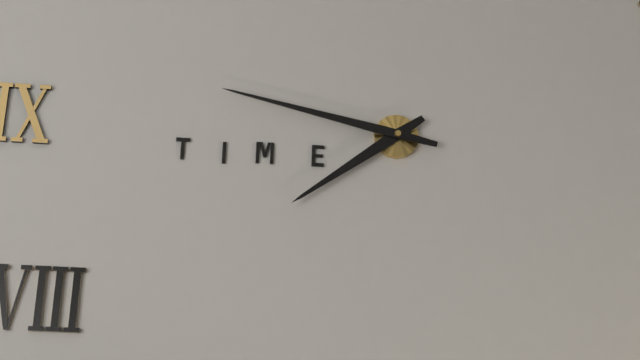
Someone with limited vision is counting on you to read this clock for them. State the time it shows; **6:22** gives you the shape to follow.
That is **7:47**
